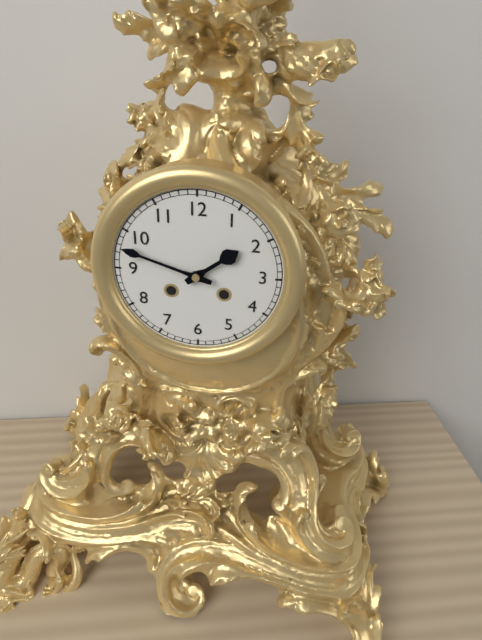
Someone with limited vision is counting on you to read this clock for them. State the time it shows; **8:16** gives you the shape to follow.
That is **1:48**
